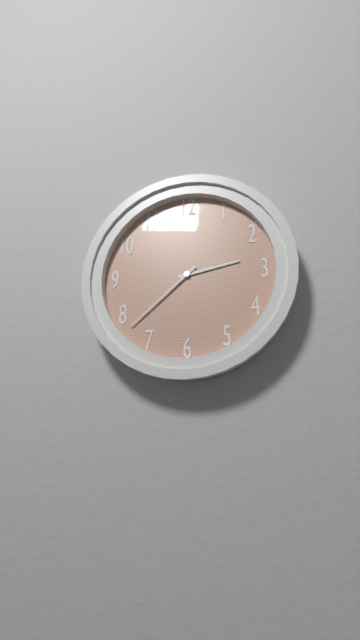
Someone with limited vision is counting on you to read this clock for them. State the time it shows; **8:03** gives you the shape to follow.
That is **2:38**
